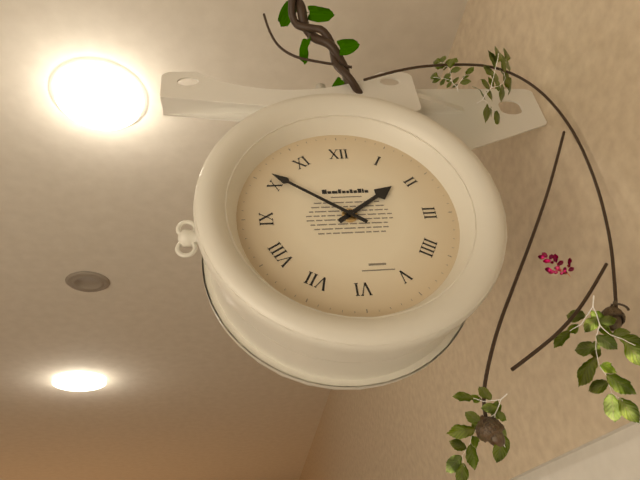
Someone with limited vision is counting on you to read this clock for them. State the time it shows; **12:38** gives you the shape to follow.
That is **1:51**
